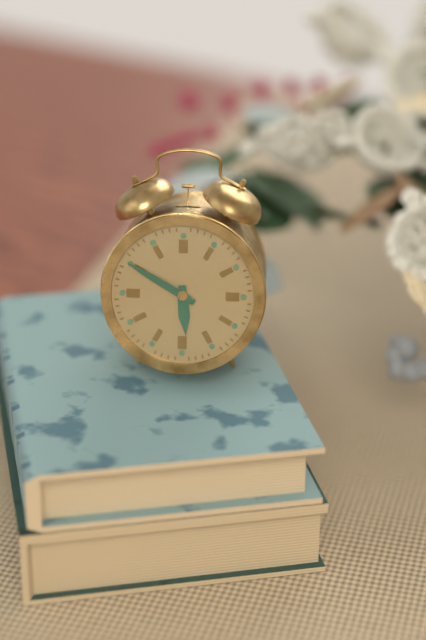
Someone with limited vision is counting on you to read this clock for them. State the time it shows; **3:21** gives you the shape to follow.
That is **5:50**
